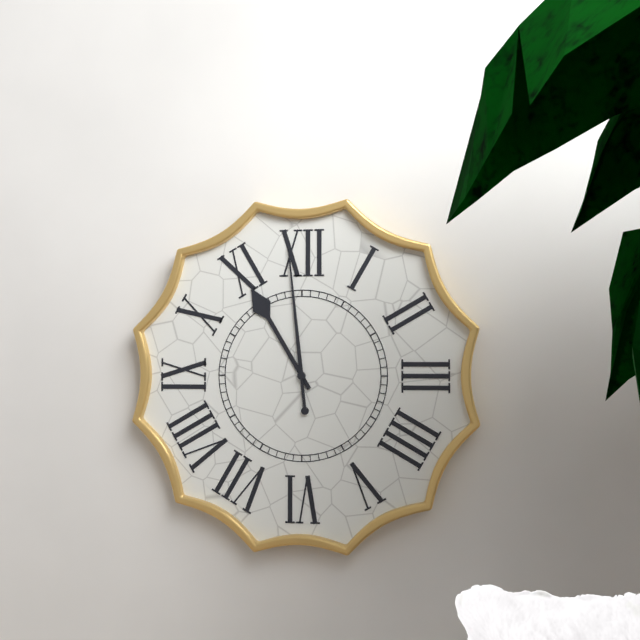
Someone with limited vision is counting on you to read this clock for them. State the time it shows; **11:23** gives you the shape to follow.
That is **10:59**
